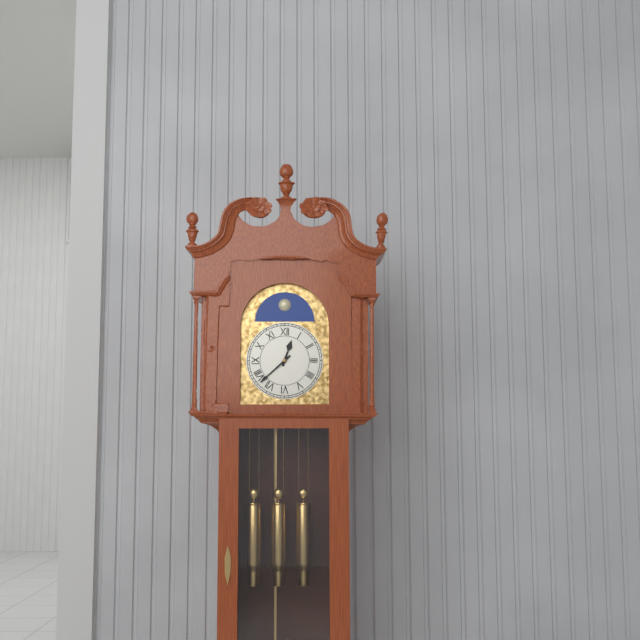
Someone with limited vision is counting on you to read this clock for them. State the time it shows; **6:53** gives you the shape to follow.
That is **12:38**
